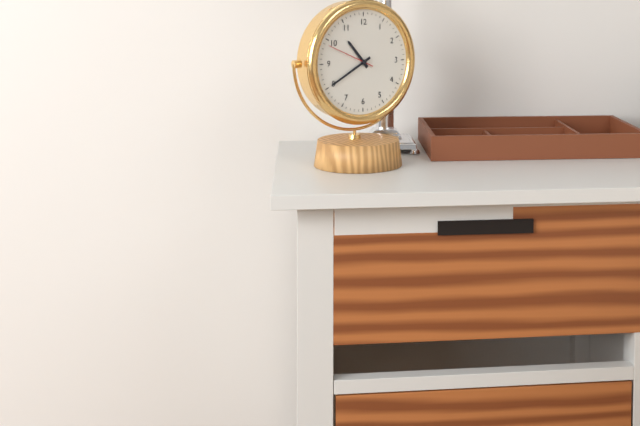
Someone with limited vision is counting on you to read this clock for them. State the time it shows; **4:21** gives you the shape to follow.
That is **10:40**
